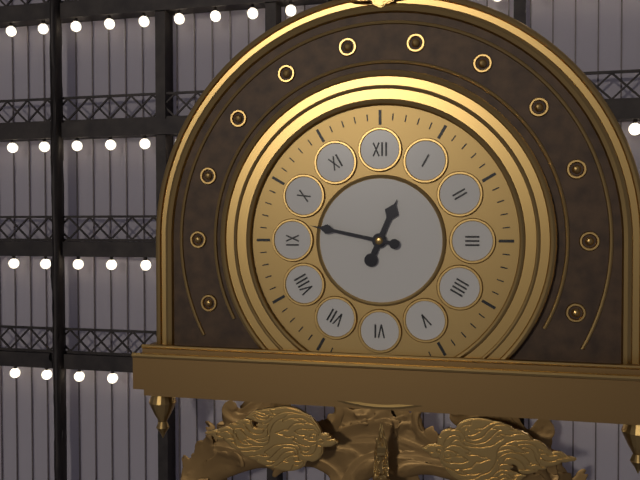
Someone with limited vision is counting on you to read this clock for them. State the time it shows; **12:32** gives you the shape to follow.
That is **12:47**
